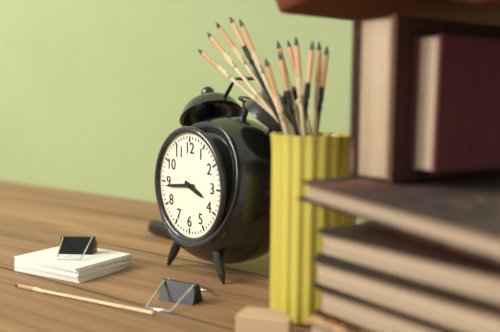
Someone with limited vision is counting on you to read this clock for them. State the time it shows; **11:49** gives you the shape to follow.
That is **3:44**
